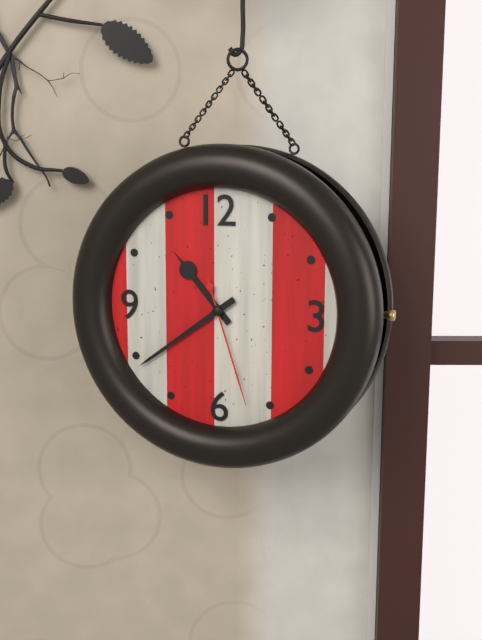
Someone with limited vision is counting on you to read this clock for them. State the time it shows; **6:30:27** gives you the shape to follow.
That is **10:39:27**
